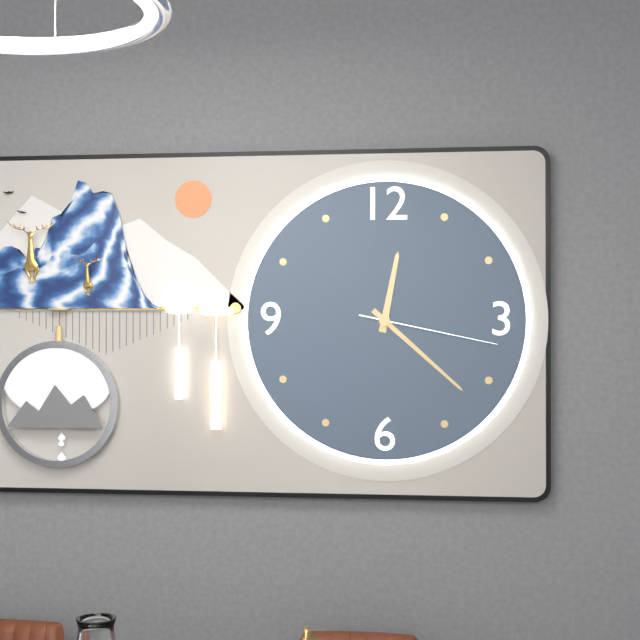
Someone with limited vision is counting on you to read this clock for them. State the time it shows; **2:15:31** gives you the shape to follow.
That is **12:22:17**
